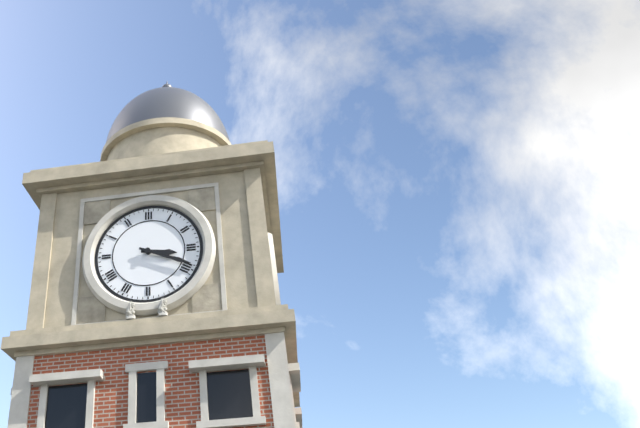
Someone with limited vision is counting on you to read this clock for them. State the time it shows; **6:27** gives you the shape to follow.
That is **3:19**
